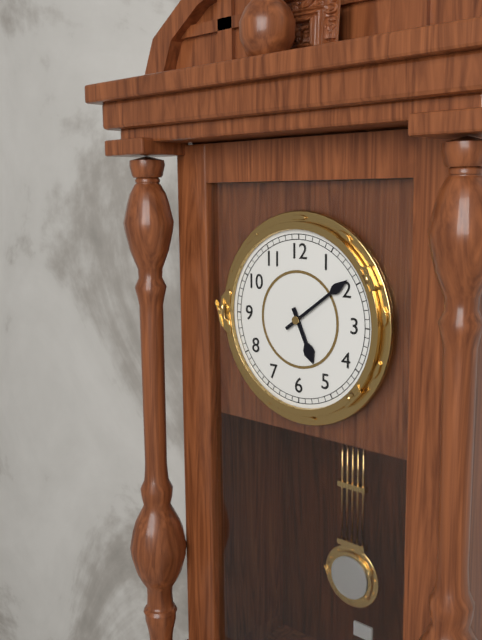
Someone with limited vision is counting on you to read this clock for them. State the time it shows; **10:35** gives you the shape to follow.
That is **5:09**
